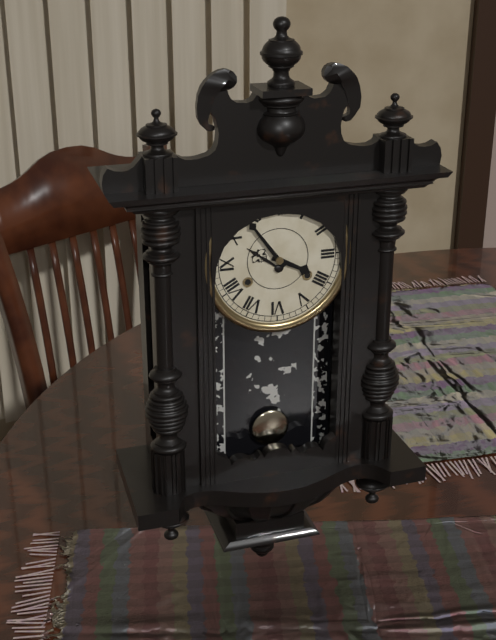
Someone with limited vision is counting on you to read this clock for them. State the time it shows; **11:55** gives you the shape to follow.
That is **3:54**
